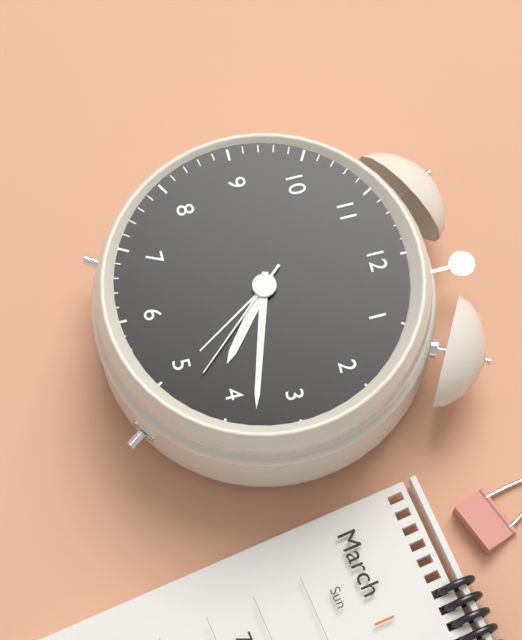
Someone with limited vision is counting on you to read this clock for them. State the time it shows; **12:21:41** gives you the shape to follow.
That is **4:18:23**
